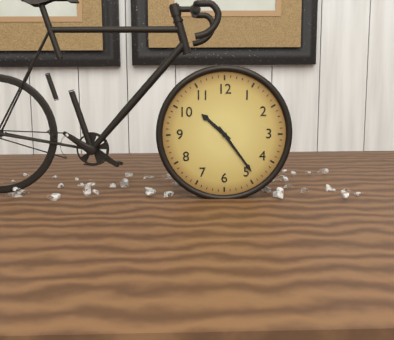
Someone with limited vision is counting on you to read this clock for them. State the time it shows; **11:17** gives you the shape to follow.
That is **10:24**
